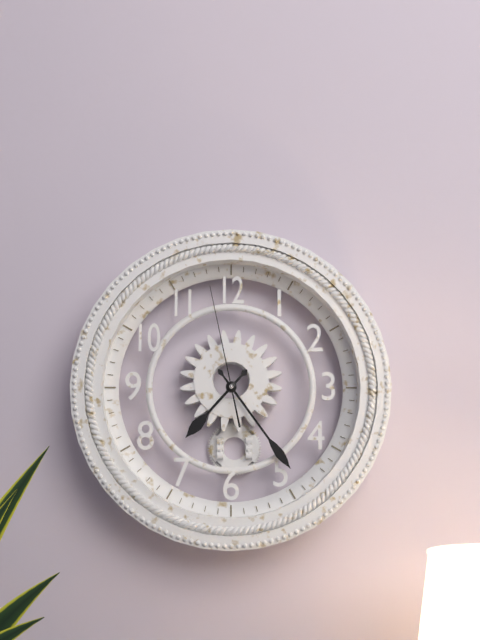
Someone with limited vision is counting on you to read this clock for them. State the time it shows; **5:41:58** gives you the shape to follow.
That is **7:24:58**
